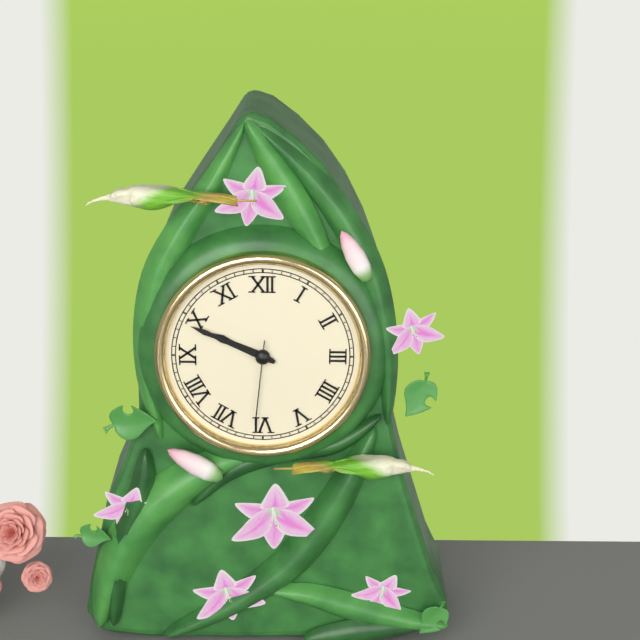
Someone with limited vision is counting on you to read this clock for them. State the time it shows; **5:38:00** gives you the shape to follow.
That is **9:49:31**
